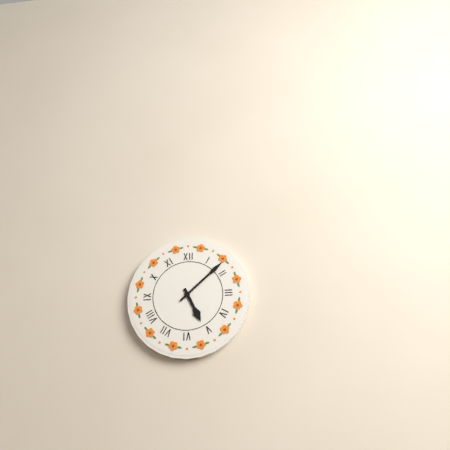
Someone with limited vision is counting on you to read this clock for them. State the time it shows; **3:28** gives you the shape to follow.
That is **5:08**
